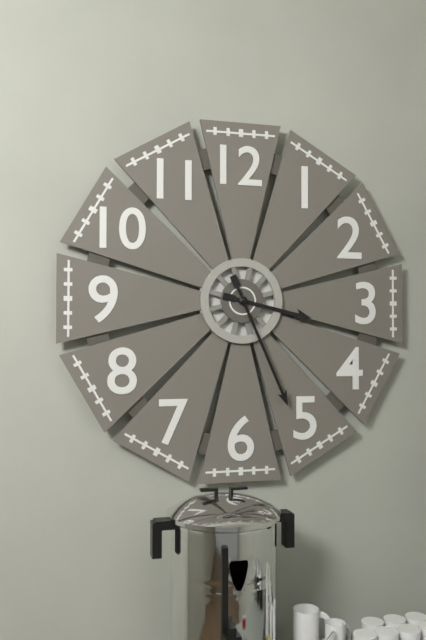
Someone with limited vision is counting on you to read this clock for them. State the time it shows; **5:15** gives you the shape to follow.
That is **3:26**
